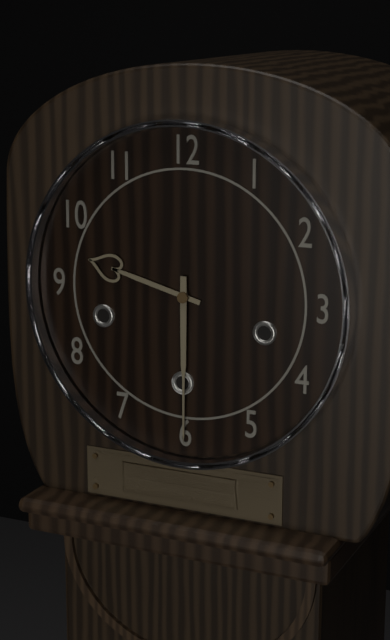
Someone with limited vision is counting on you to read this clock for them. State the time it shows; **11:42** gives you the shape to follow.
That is **9:30**
